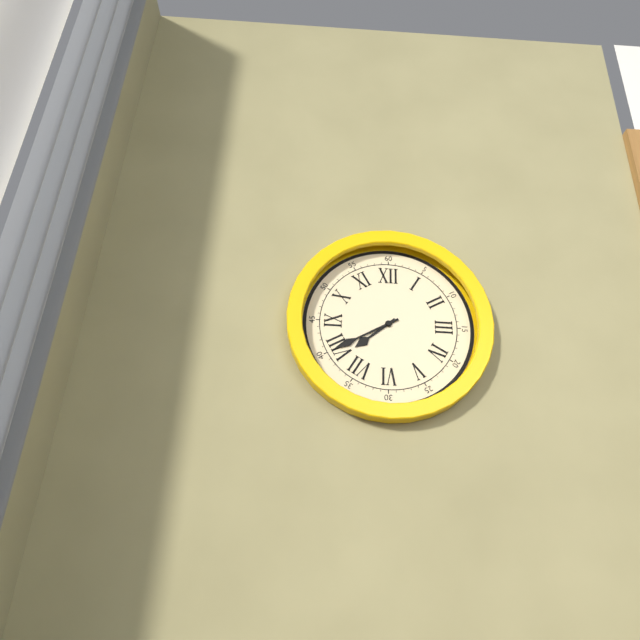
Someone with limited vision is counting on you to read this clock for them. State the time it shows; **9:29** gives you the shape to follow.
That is **7:40**
